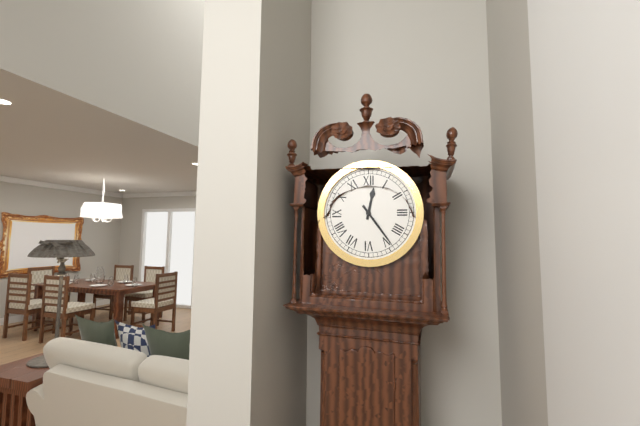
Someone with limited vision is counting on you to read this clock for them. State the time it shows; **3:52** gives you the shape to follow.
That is **12:24**
